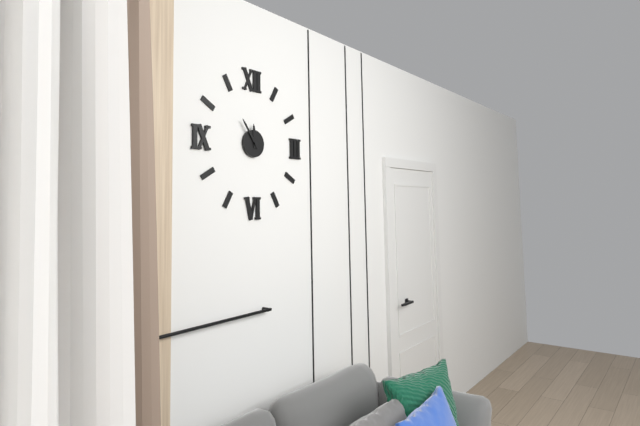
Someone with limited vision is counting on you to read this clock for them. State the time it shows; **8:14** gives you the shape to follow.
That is **11:54**
